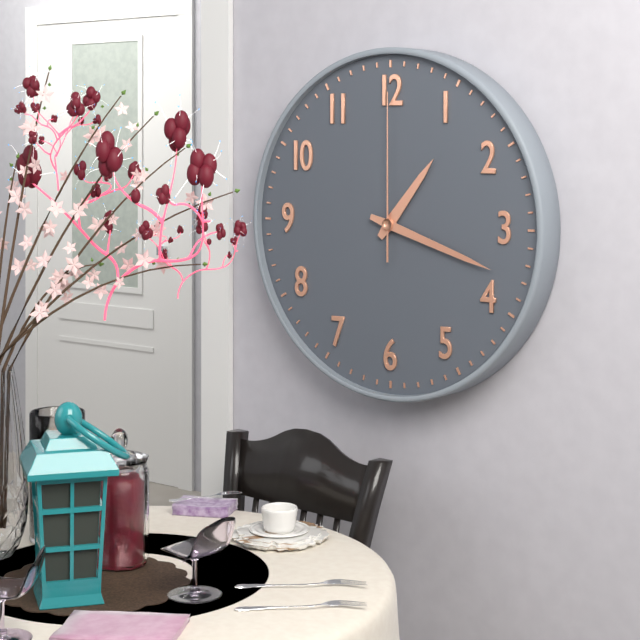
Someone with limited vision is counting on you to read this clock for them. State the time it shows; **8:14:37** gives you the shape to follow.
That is **1:18:00**
